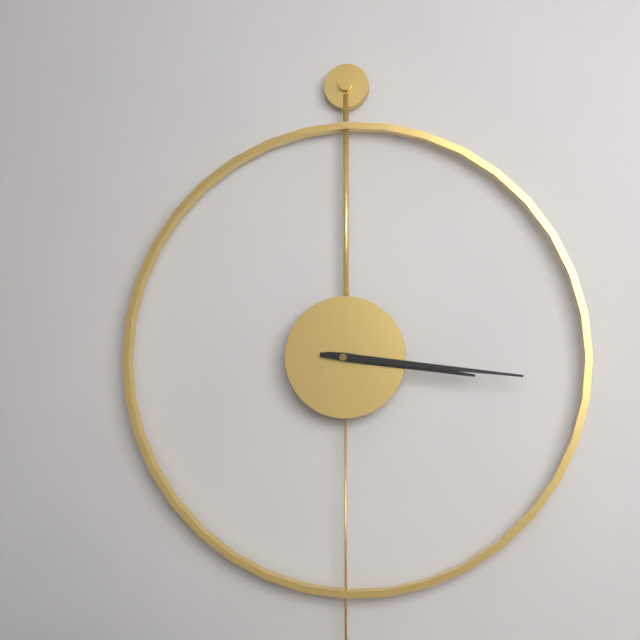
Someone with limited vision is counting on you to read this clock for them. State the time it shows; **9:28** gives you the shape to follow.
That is **3:16**
